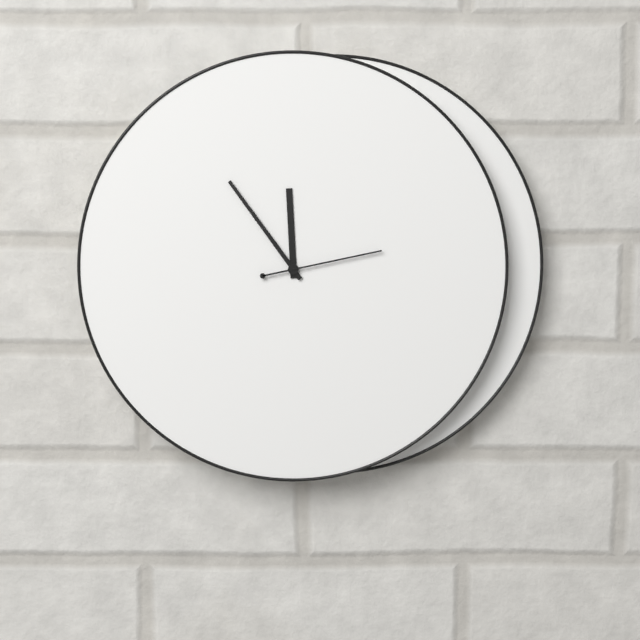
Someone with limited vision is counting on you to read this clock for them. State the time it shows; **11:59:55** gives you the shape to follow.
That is **11:54:13**
